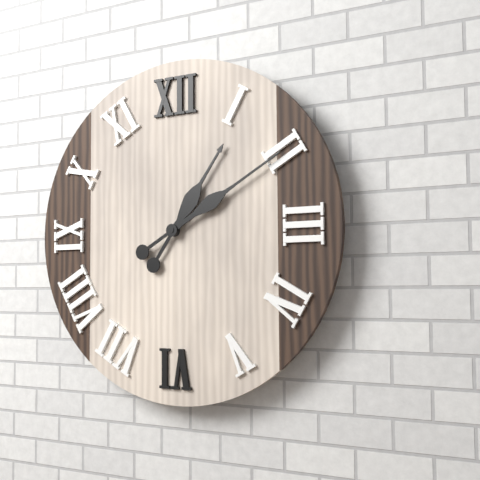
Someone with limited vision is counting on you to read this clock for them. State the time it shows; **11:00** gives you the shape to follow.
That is **1:10**
